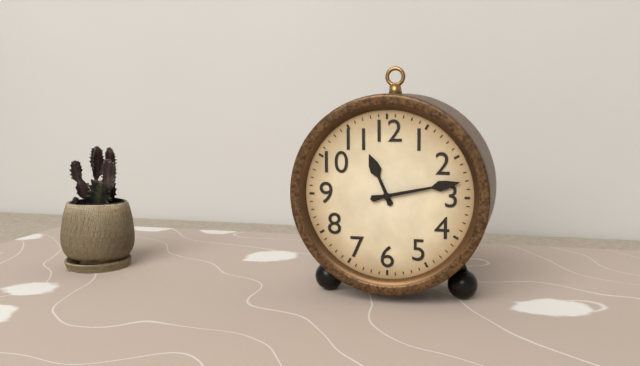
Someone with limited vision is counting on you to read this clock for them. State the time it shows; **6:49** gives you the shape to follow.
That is **11:13**
